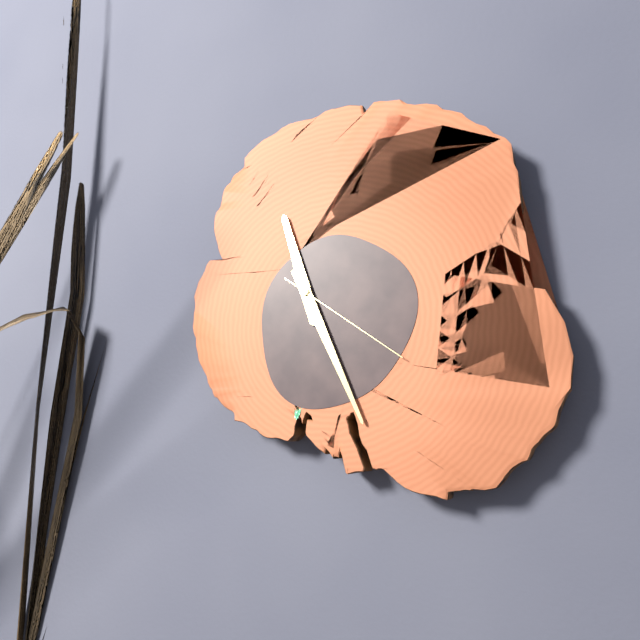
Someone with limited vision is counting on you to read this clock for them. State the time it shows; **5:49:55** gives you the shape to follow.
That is **11:26:21**
